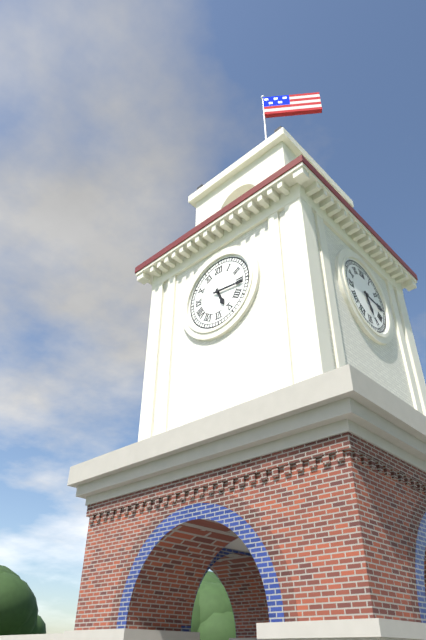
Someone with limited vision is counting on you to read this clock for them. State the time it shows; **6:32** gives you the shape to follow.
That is **5:16**
